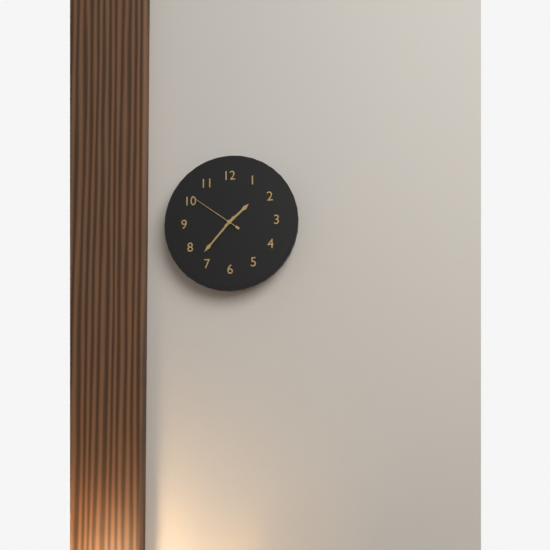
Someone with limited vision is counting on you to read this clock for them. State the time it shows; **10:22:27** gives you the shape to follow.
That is **1:37:51**
